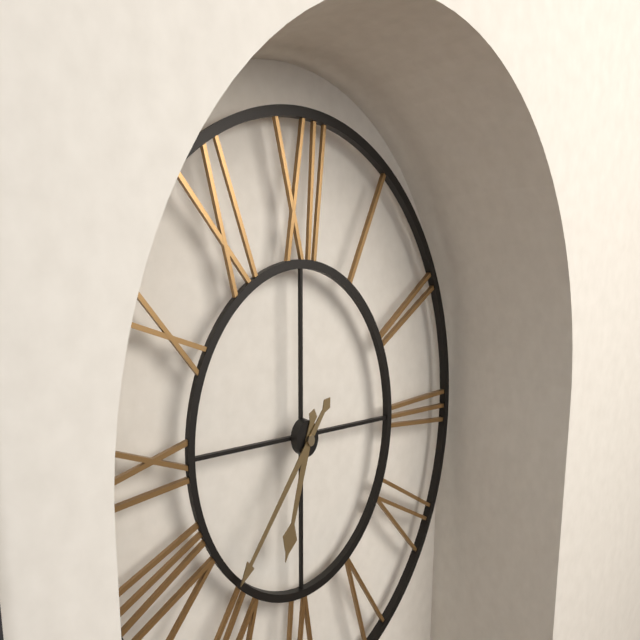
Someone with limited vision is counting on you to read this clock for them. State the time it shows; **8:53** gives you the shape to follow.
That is **6:37**
